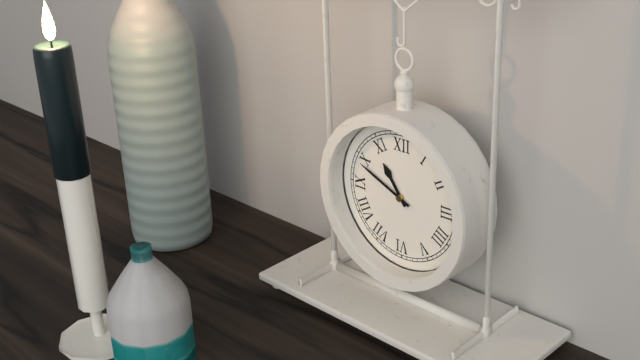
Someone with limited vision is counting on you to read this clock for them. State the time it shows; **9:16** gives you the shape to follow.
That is **10:49**
